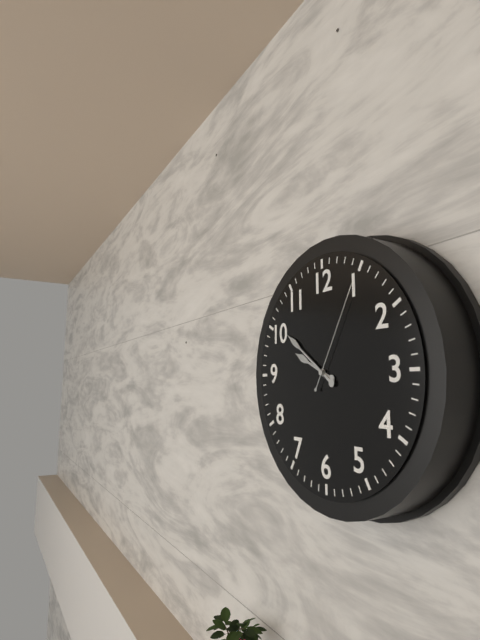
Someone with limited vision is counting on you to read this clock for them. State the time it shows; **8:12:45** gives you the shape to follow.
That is **9:51:05**
